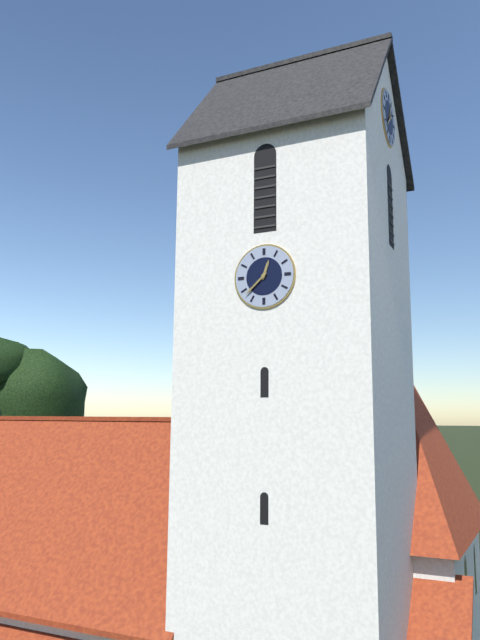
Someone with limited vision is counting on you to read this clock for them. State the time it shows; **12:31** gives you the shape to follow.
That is **12:38**
